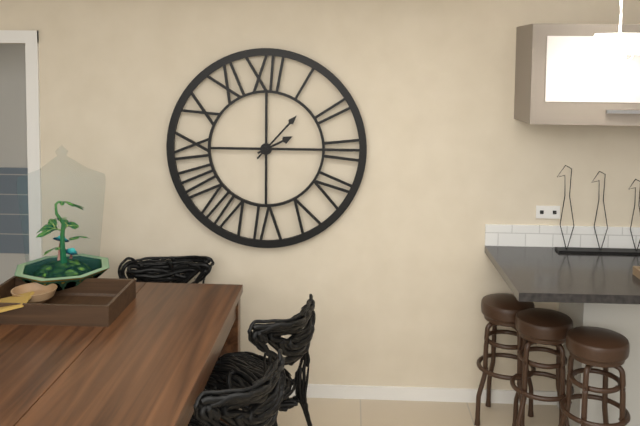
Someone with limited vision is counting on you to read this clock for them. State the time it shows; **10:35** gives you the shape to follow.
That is **2:07**
